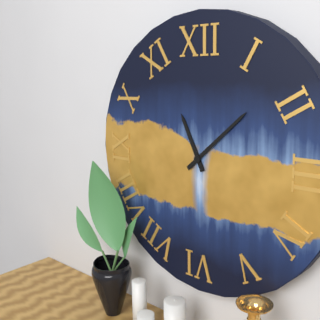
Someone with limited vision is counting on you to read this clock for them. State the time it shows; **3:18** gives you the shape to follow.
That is **11:08**
